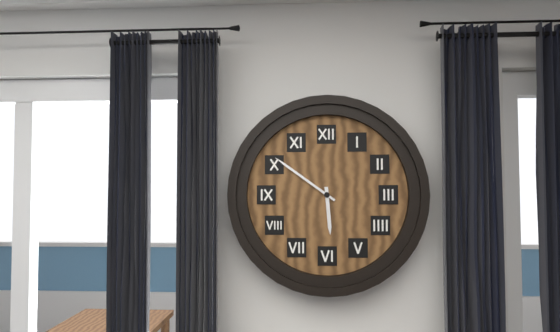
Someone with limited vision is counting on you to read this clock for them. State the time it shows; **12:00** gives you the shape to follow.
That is **5:51**
